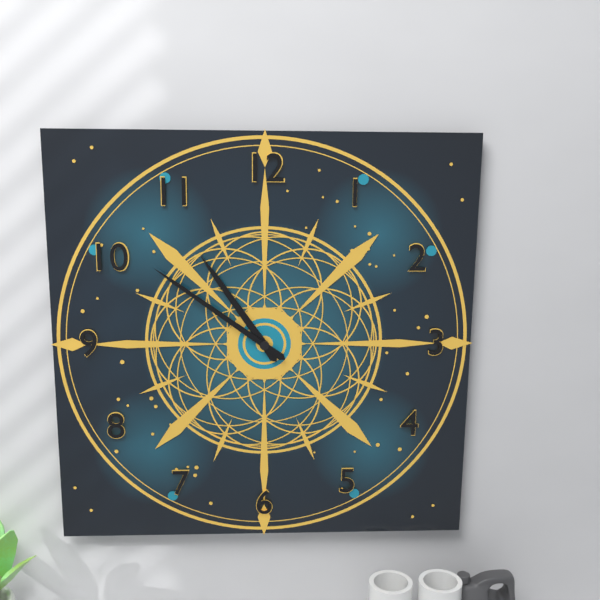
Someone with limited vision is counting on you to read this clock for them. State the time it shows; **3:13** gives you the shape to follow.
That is **10:51**
